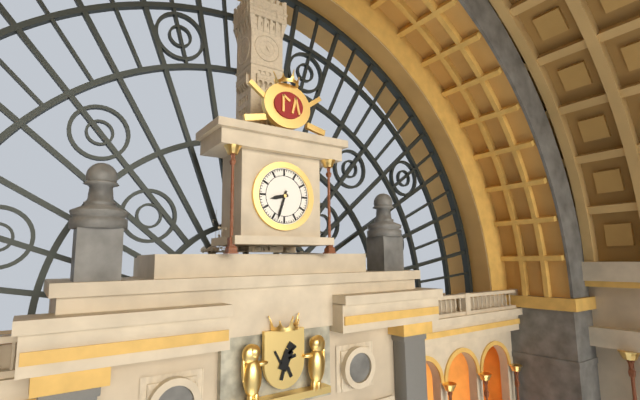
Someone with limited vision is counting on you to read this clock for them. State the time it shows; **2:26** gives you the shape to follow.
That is **8:33**
